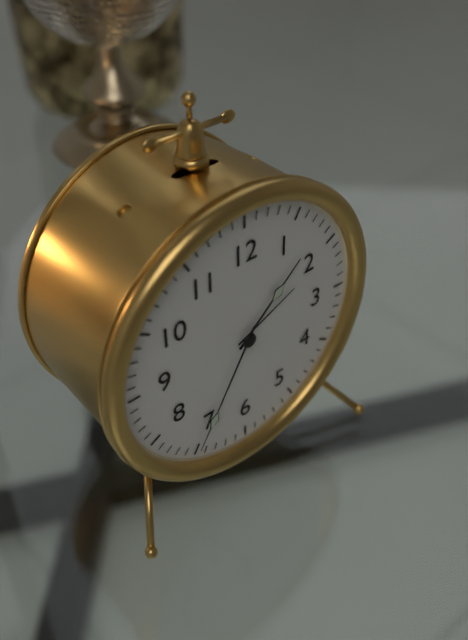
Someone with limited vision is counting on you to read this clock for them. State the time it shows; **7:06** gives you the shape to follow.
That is **1:35**
